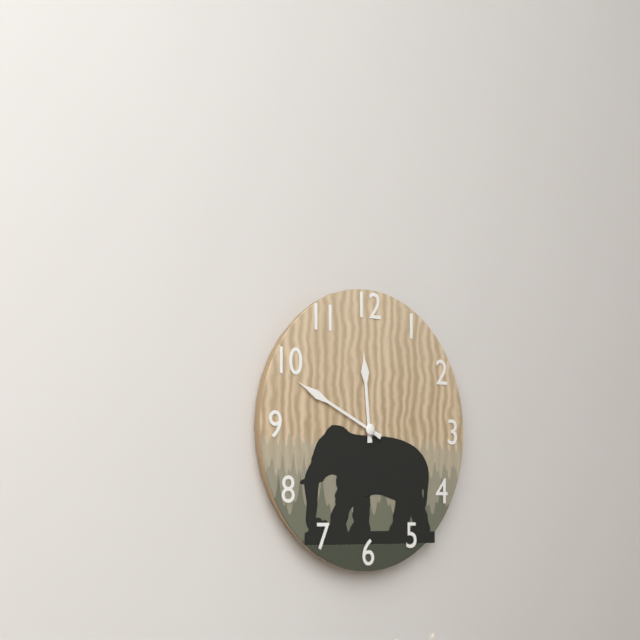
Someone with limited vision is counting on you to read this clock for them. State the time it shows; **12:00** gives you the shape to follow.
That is **11:49**
